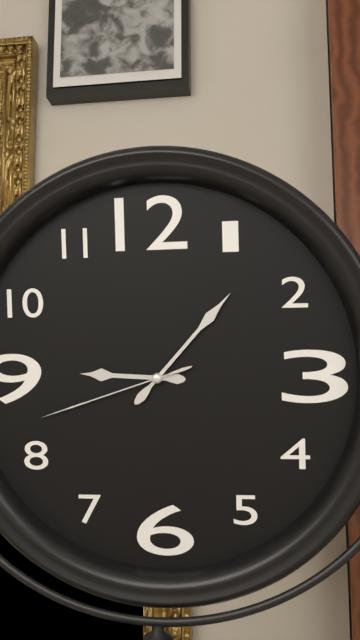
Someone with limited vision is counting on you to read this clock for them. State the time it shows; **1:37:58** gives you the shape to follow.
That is **9:07:42**
